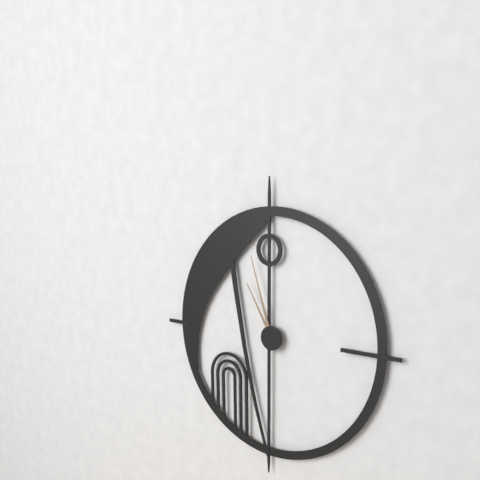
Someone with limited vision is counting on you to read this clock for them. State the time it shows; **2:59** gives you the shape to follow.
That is **10:57**
